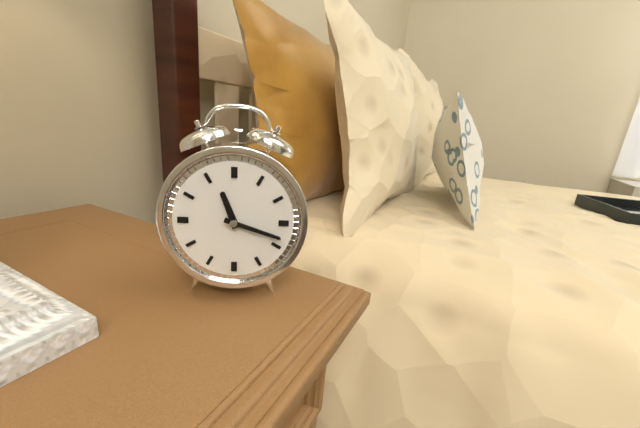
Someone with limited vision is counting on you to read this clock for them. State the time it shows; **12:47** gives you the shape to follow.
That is **11:18**
